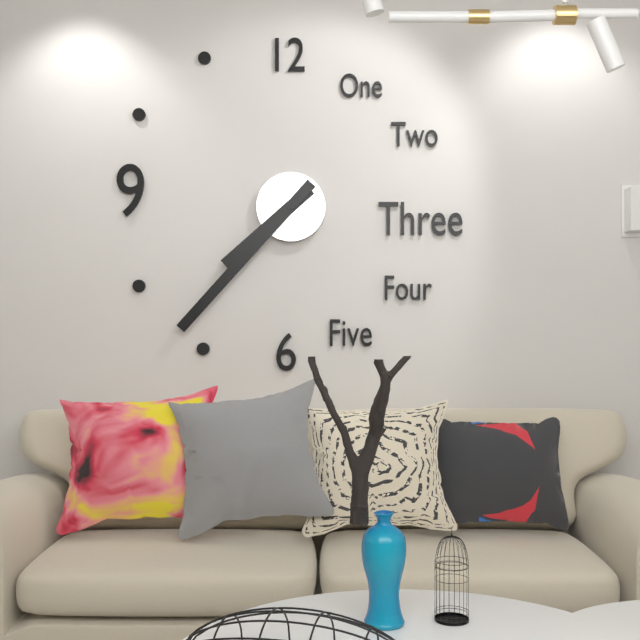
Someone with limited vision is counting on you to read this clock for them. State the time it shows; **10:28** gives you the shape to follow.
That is **7:37**
